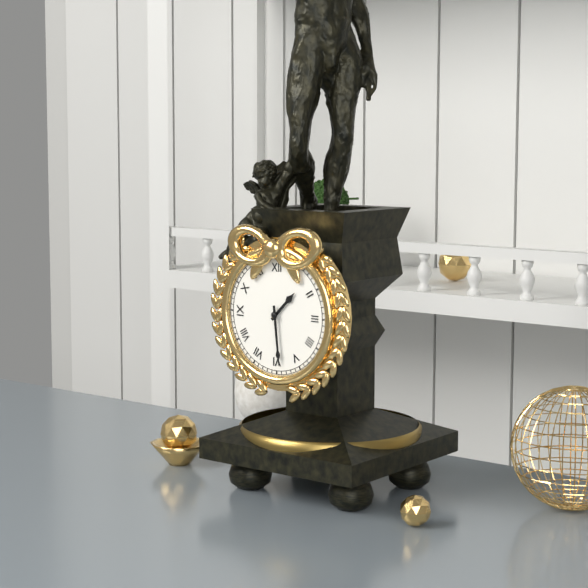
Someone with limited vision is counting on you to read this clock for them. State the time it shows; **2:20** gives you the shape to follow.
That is **1:29**
